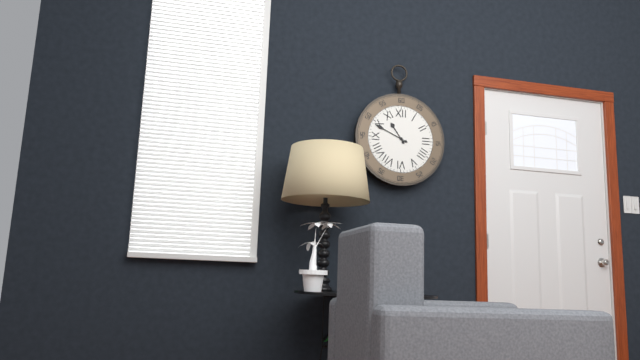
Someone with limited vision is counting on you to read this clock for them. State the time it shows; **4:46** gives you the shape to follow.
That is **10:49**
